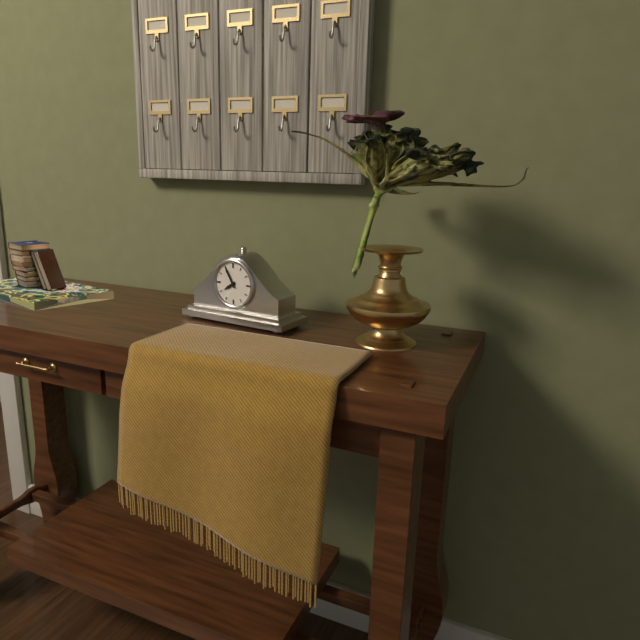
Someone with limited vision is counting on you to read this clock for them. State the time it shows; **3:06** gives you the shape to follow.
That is **7:55**
